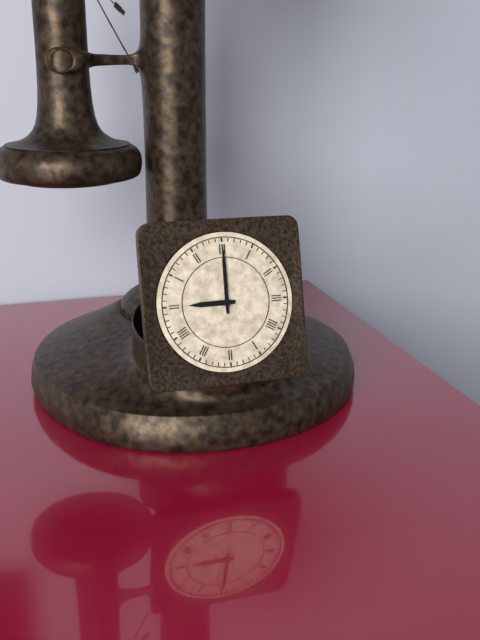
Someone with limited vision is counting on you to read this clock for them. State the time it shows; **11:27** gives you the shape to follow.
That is **9:00**
